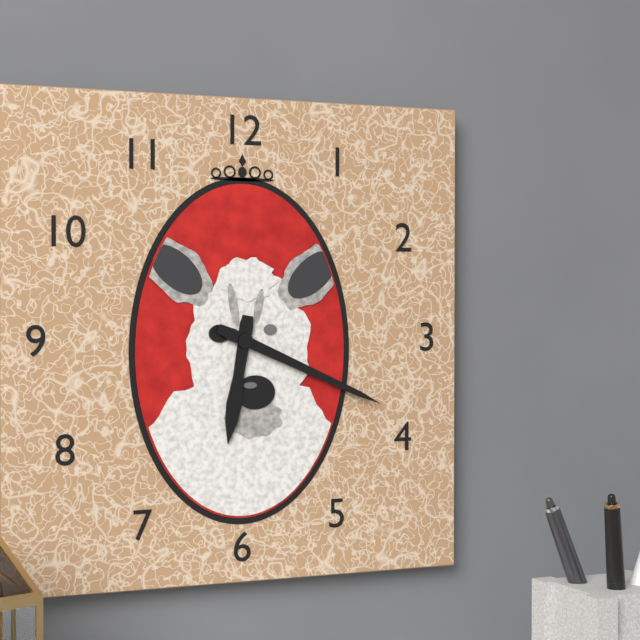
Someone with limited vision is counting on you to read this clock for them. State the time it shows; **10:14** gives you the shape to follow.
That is **6:19**
